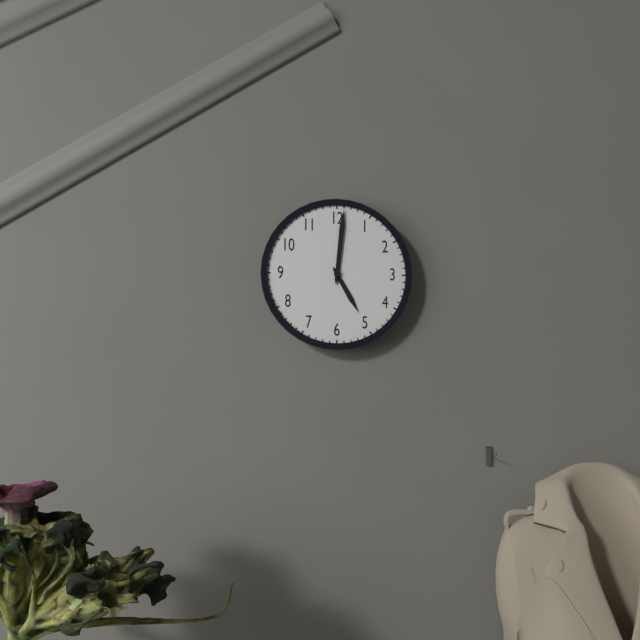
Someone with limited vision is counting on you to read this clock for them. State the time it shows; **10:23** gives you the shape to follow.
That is **5:01**
